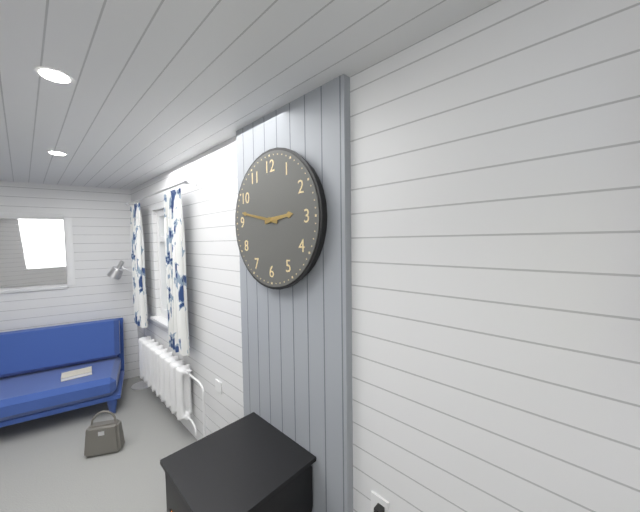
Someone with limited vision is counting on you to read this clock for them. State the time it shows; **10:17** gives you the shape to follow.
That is **2:47**
